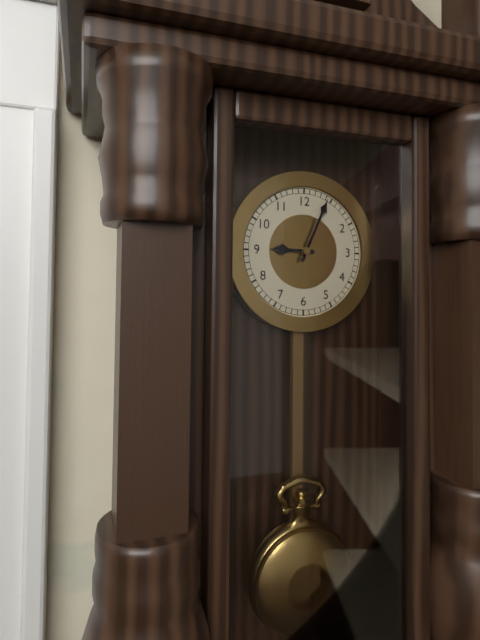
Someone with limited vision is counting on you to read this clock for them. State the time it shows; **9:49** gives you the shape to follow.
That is **9:04**
